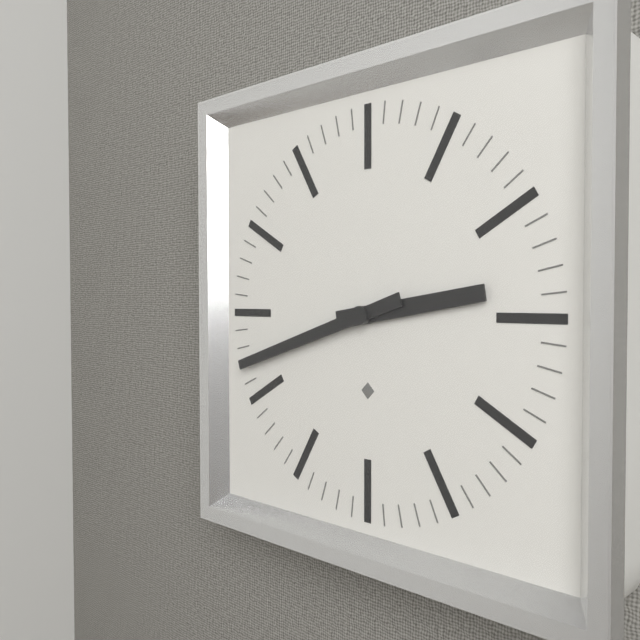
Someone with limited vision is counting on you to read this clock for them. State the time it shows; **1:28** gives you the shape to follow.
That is **2:42**
